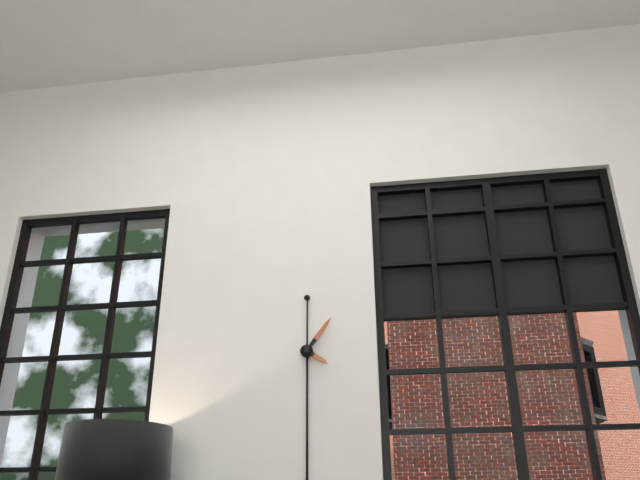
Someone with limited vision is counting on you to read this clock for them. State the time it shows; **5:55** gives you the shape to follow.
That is **4:06**
